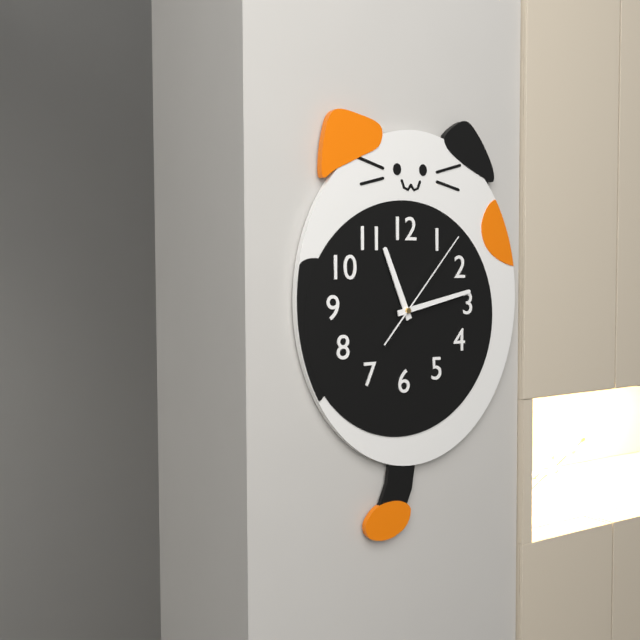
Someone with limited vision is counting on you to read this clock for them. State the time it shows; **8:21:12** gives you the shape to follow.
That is **11:13:07**
